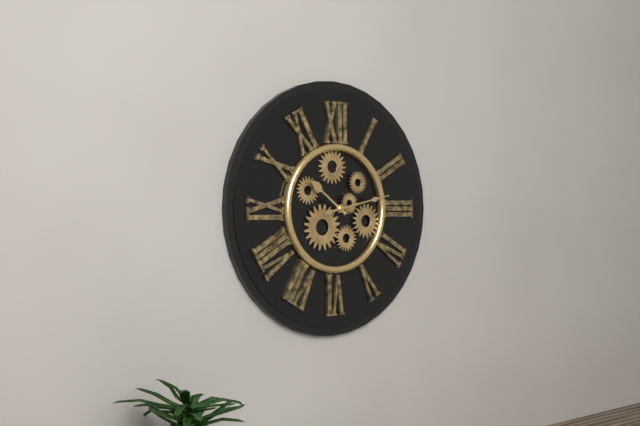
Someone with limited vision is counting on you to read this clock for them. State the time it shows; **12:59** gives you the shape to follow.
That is **10:13**
